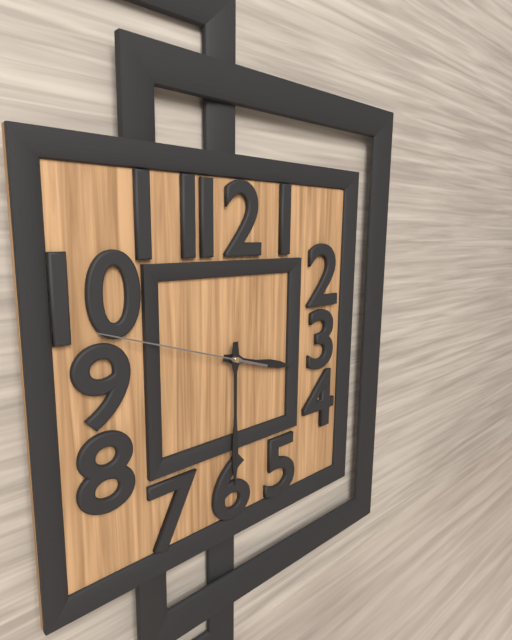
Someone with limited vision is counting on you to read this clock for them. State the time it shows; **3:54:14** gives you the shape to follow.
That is **3:30:48**
